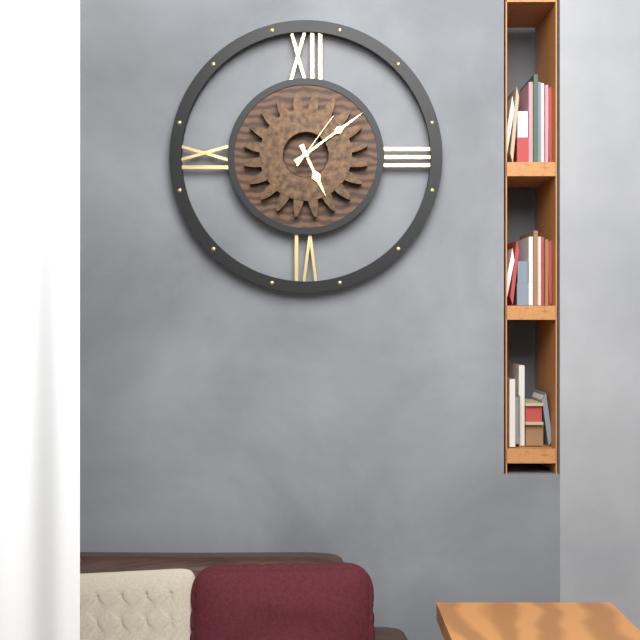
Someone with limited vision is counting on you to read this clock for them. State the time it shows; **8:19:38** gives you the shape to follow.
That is **5:09:06**
